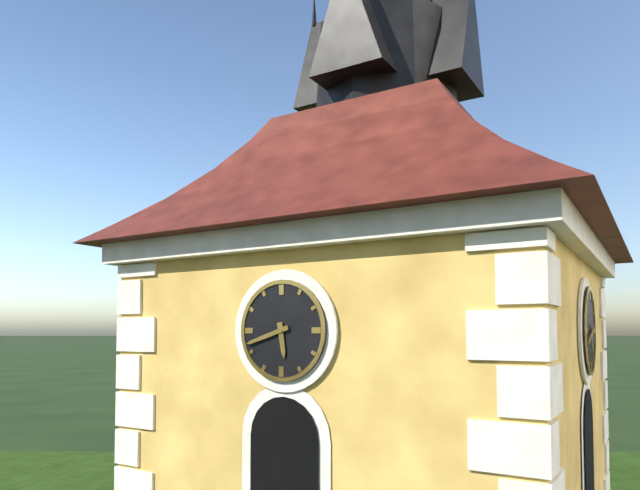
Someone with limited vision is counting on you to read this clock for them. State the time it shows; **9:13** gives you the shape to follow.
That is **5:42**
